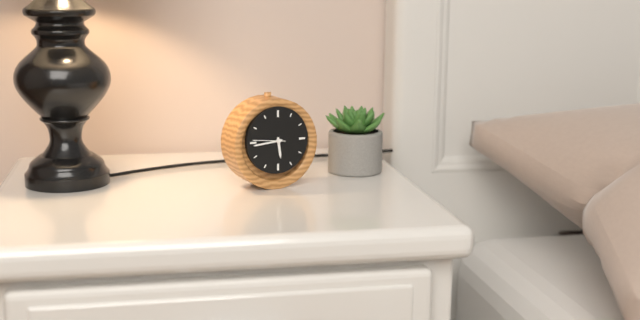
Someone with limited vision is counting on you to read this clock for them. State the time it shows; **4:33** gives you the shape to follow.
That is **5:44**
